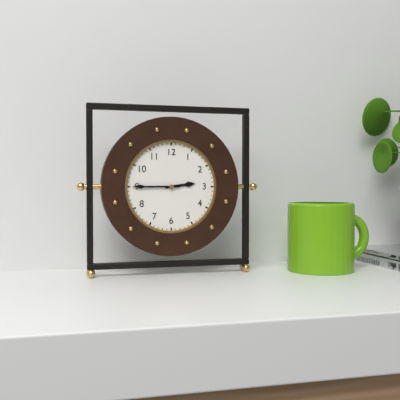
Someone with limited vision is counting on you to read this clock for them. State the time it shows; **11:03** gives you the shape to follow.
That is **2:45**
